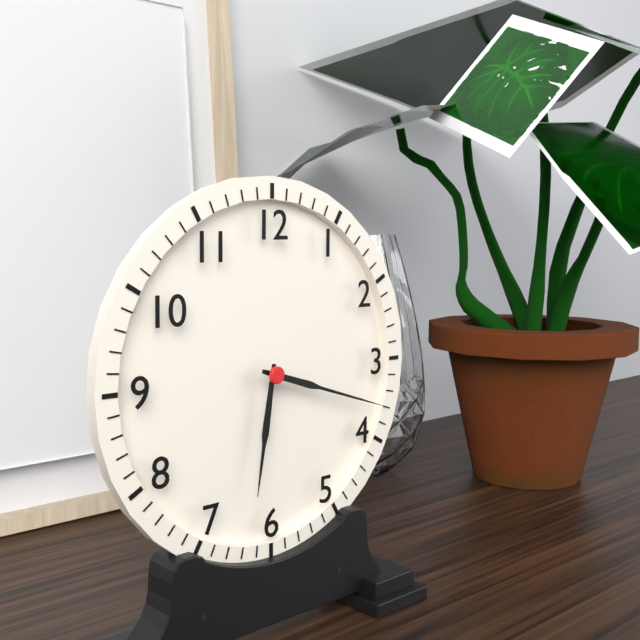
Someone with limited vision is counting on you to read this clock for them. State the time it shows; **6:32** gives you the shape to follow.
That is **6:18**
